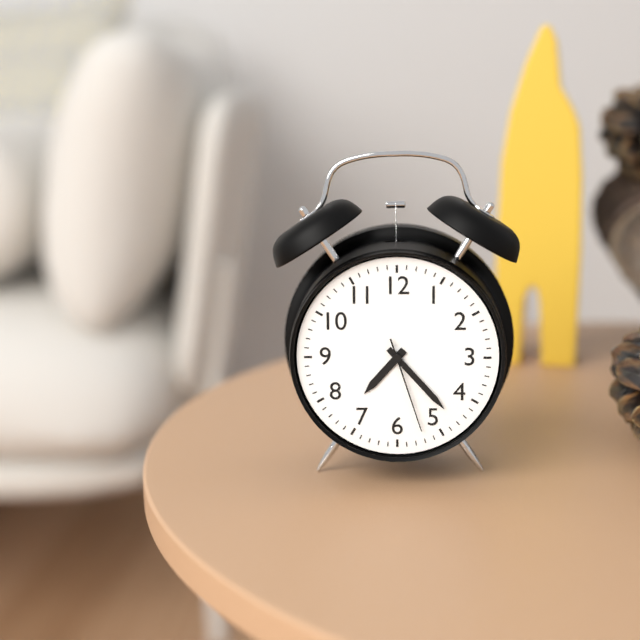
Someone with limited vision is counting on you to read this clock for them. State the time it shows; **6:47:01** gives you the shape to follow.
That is **7:23:27**
